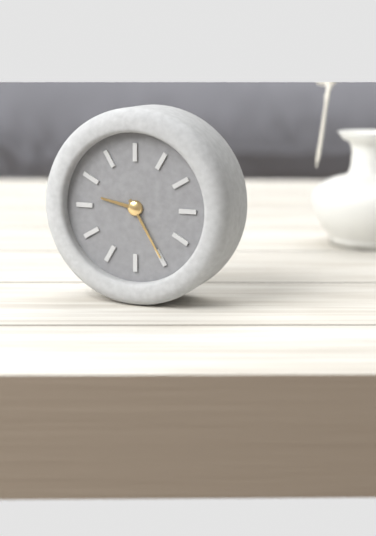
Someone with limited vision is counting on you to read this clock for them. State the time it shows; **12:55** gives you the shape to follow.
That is **9:25**
